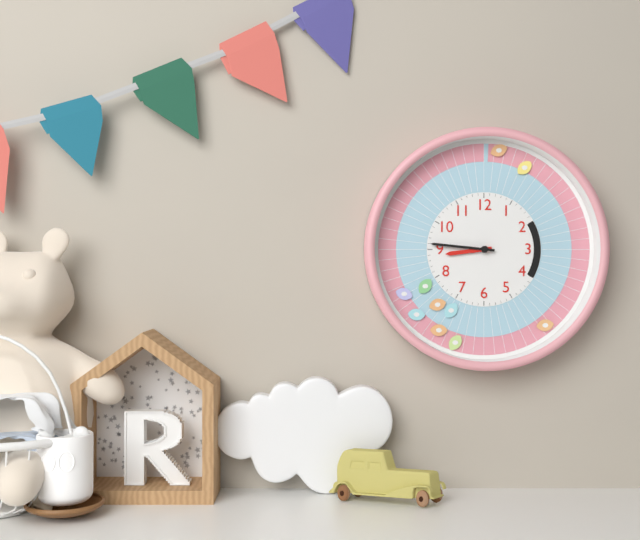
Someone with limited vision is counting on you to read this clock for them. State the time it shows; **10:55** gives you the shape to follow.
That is **8:46**
